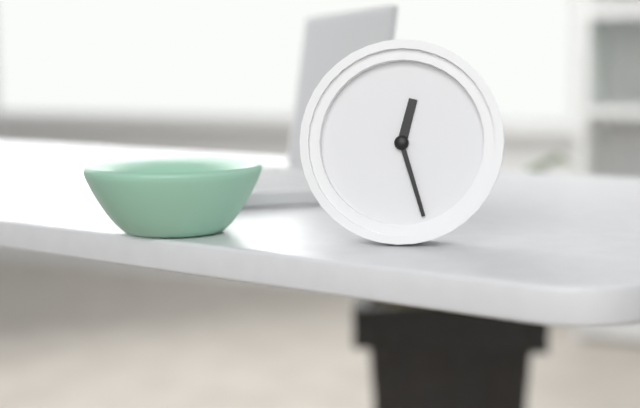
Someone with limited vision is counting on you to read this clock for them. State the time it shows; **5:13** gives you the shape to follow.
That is **12:27**
